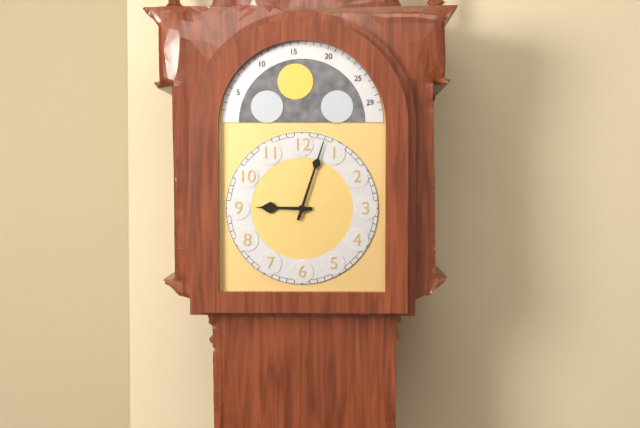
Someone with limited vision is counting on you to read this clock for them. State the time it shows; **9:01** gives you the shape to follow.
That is **9:03**
